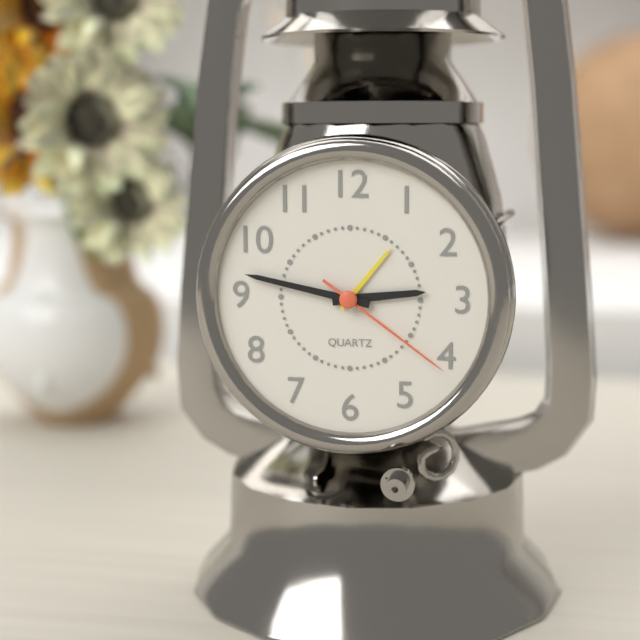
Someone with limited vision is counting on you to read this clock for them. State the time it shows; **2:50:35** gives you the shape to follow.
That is **2:47:21**
